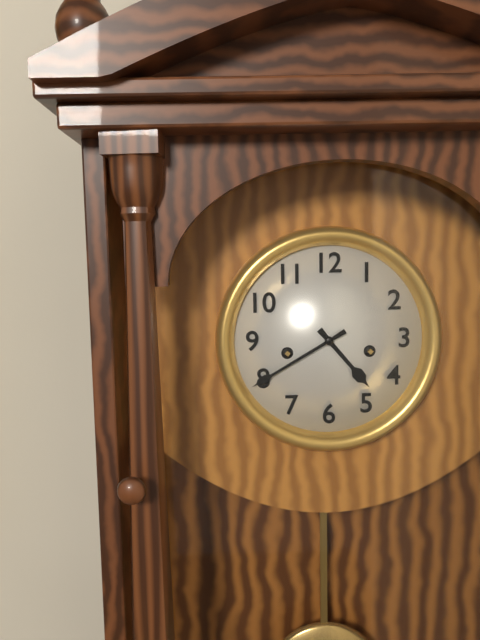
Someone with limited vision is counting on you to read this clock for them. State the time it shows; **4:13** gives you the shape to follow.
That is **4:40**
